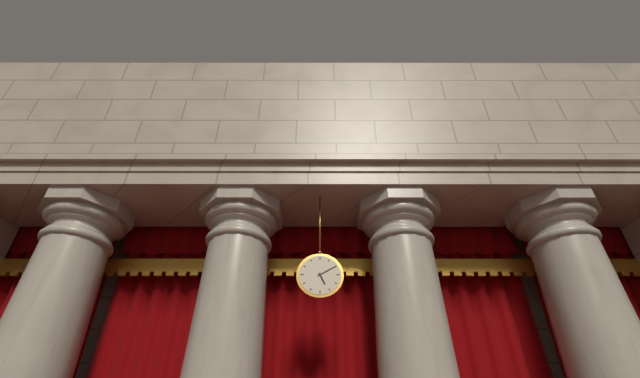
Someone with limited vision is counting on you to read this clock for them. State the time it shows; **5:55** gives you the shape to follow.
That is **5:10**
